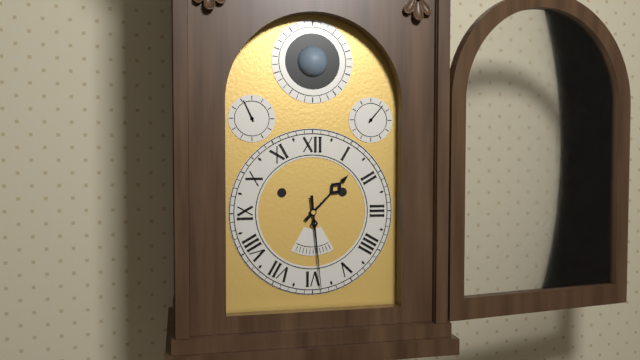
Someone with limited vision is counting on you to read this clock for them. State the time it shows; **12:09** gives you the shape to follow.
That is **1:29**
